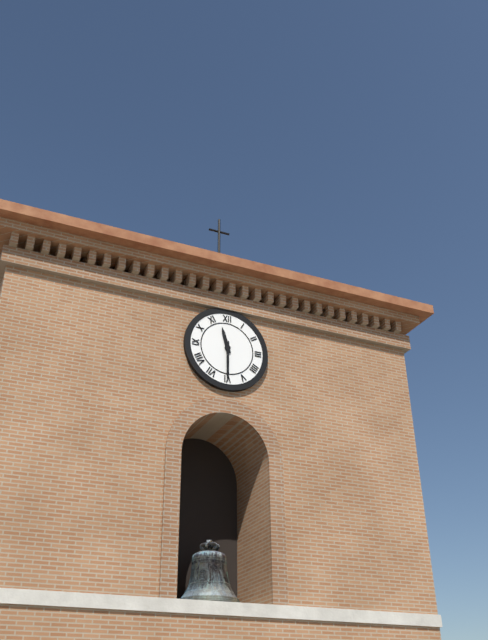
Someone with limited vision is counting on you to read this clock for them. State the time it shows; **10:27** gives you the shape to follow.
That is **11:30**
